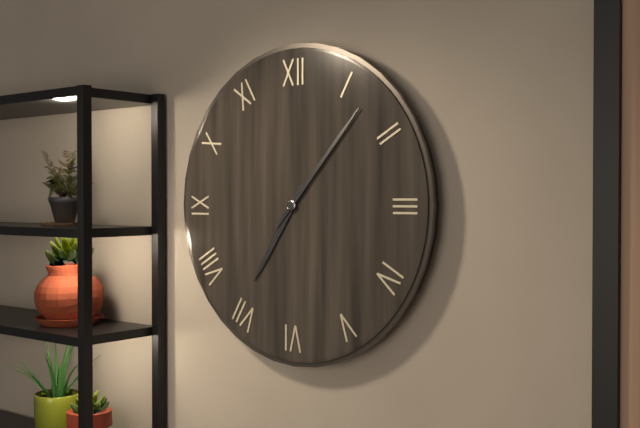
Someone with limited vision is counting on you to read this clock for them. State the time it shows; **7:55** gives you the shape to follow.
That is **7:07**
